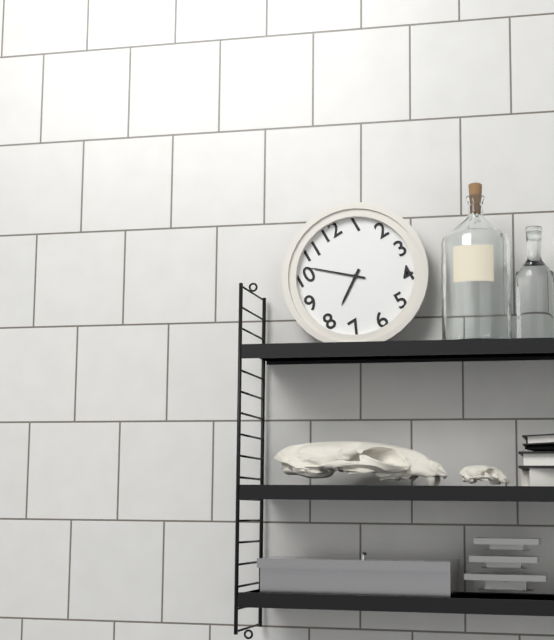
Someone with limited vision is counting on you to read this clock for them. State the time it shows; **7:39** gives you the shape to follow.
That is **7:52**
